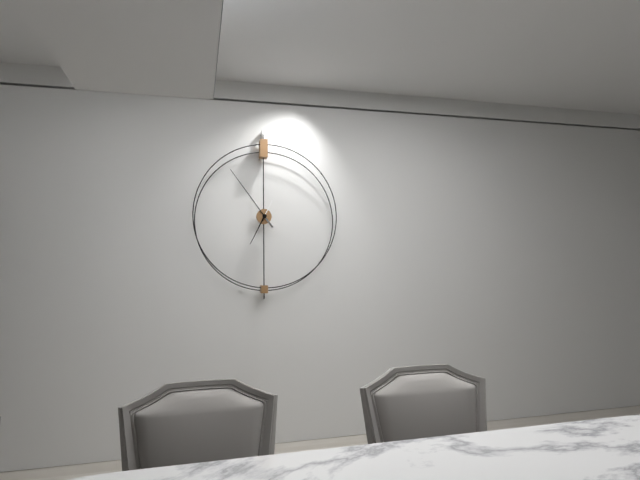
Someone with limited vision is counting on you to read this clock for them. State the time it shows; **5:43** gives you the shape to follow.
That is **6:54**
